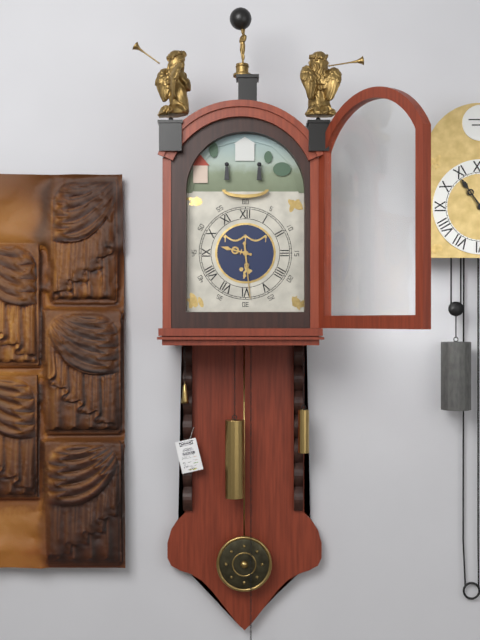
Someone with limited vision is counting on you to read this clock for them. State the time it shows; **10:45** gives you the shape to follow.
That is **9:29**
